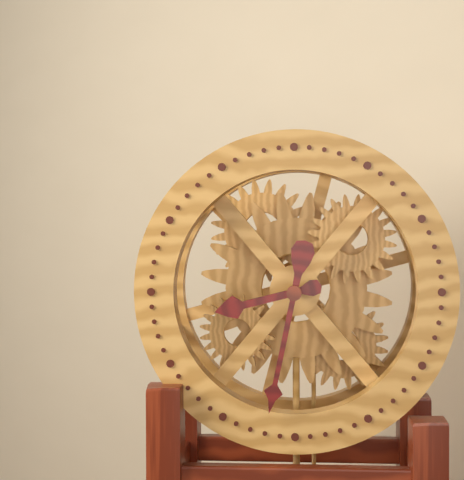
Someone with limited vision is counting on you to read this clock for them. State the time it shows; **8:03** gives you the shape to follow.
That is **8:32**
